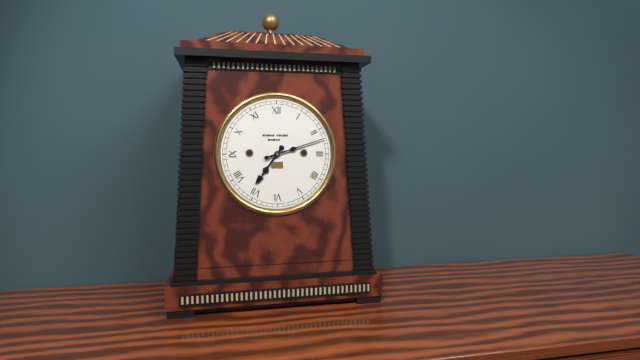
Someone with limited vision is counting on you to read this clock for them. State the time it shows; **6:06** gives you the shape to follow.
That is **7:12**
